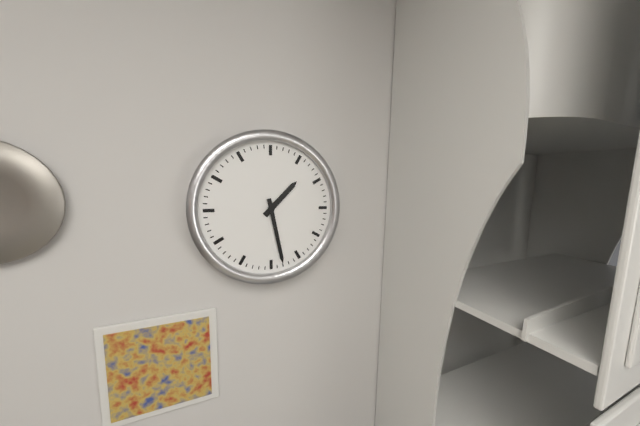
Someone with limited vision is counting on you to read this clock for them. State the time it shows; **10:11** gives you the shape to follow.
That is **1:28**
